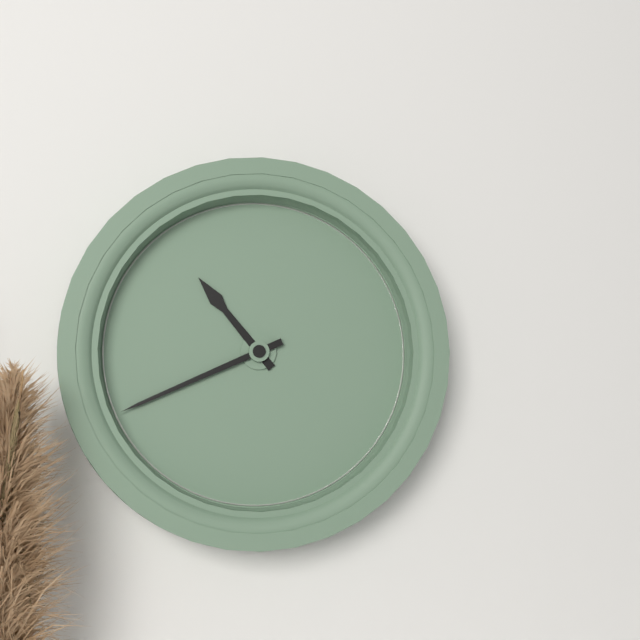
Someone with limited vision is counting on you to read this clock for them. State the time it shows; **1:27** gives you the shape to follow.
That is **10:41**
